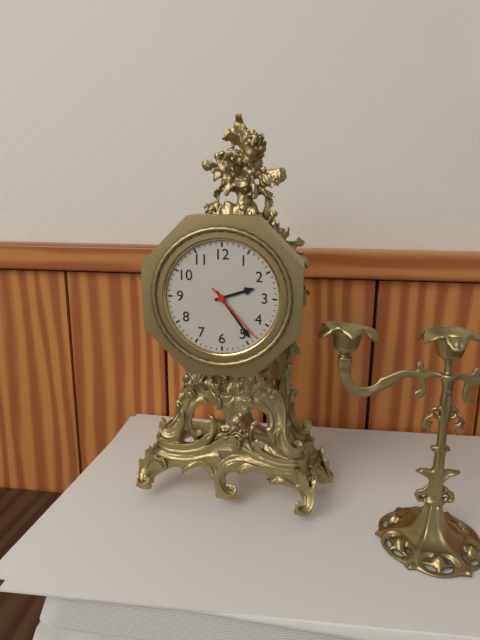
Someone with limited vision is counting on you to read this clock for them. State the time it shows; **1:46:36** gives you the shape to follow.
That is **2:24:23**
